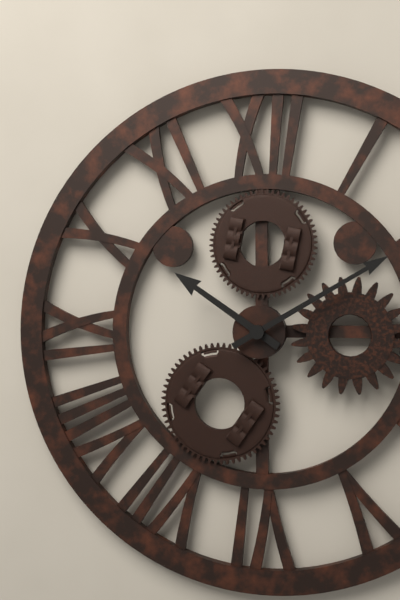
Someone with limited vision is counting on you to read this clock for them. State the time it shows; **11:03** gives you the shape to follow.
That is **10:10**
